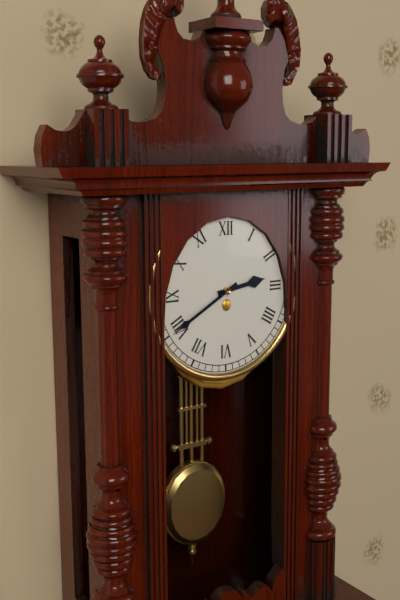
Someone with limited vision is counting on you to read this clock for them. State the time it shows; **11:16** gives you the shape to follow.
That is **2:40**
